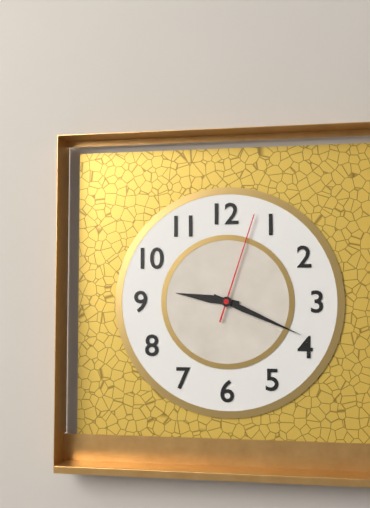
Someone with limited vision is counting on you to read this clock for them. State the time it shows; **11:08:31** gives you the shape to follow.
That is **9:19:03**
